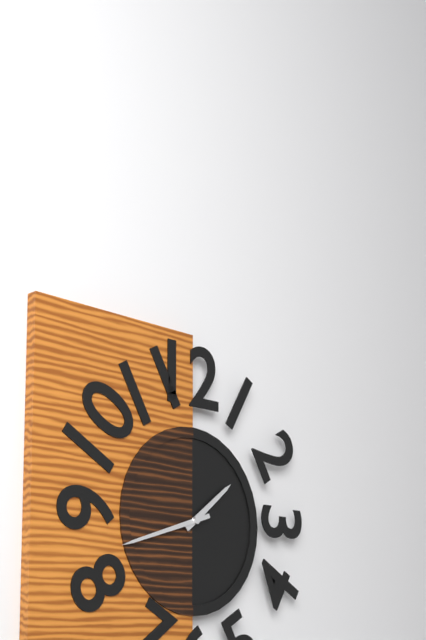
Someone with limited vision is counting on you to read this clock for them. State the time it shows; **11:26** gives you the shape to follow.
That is **1:42**
